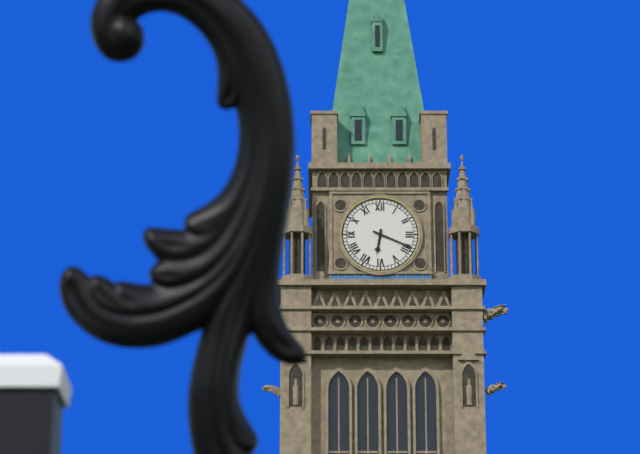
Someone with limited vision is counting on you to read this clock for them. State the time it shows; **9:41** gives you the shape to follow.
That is **6:19**
